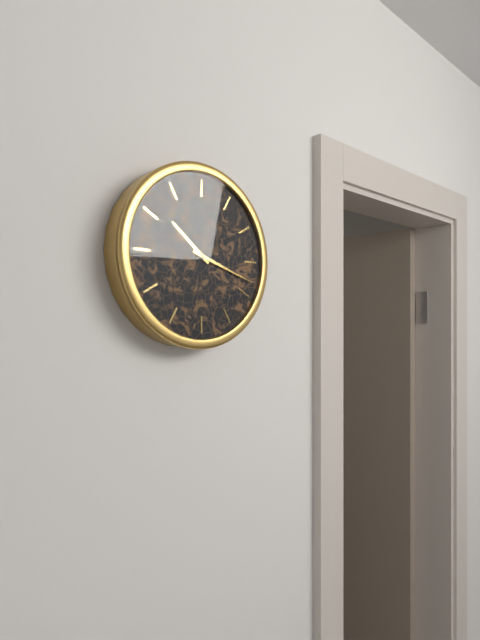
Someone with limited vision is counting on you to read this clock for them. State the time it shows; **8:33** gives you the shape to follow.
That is **10:18**
